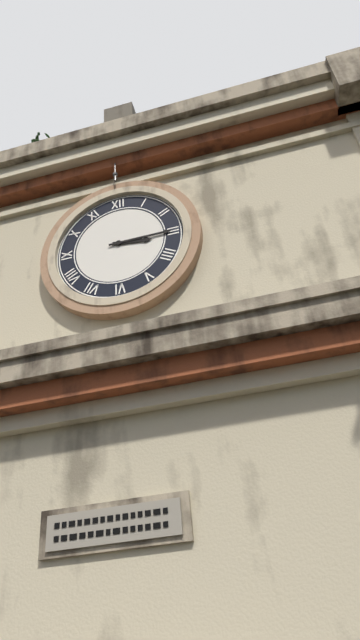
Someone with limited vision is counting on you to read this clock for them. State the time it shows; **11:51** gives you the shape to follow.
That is **3:15**
